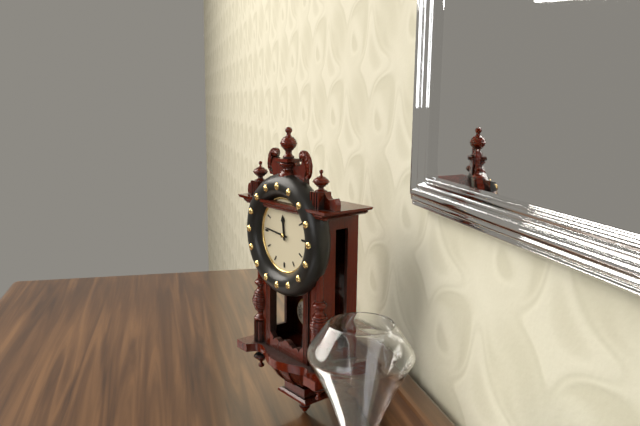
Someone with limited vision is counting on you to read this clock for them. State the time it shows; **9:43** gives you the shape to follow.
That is **11:46**
